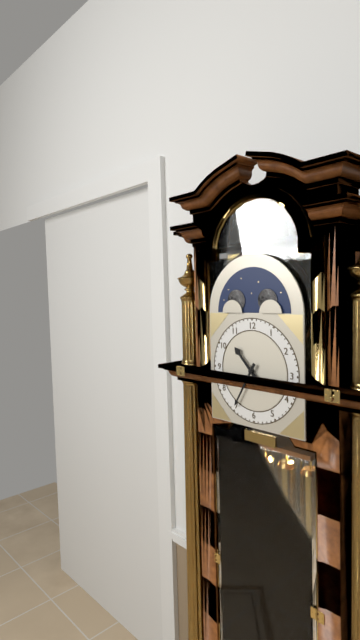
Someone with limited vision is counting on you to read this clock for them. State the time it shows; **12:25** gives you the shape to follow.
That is **10:35**
